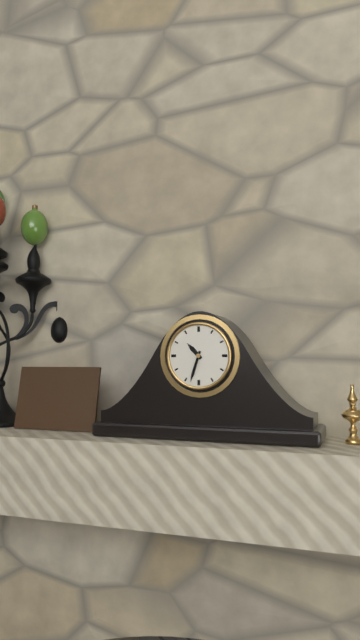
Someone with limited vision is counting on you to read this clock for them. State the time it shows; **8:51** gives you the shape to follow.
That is **10:33**
